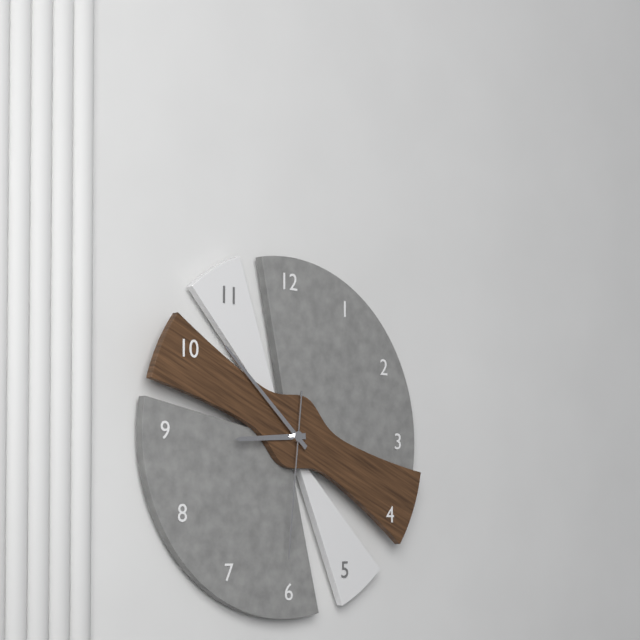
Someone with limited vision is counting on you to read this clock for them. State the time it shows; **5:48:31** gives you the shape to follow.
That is **8:52:31**
